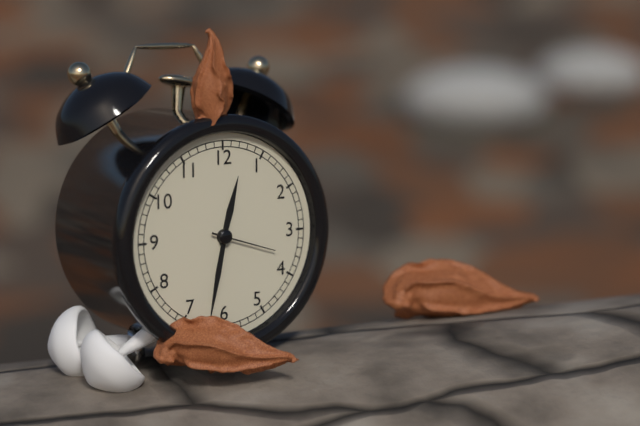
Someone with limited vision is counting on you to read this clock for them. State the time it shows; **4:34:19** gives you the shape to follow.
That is **12:32:18**
